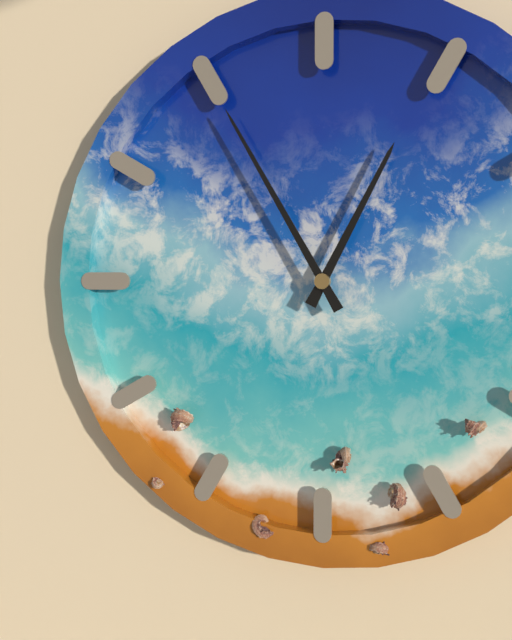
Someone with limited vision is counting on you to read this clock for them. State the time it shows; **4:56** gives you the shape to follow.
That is **12:55**
